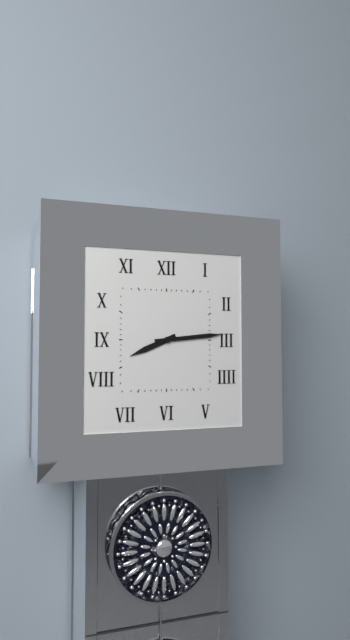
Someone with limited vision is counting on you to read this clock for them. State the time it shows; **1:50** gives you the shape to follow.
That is **8:14**
